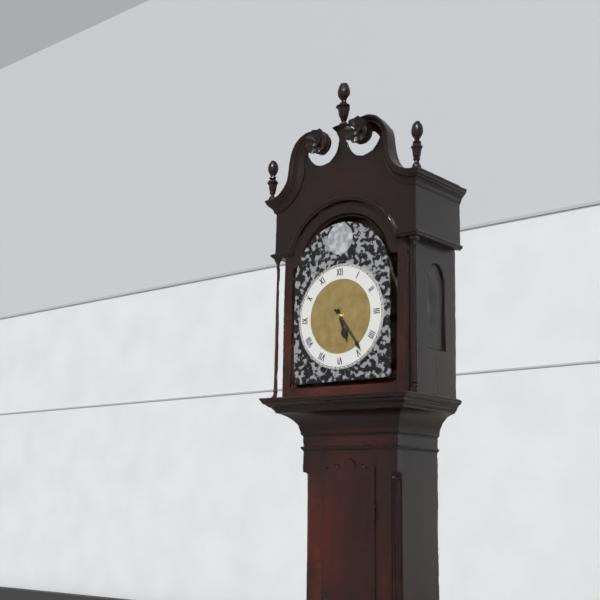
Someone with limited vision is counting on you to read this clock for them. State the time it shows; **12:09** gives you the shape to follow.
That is **5:24**
